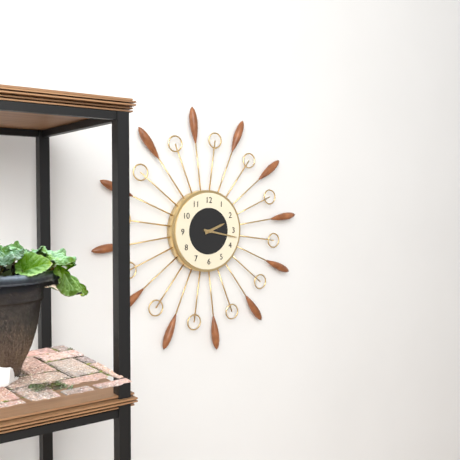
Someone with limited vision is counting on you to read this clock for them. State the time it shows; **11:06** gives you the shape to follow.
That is **2:17**
